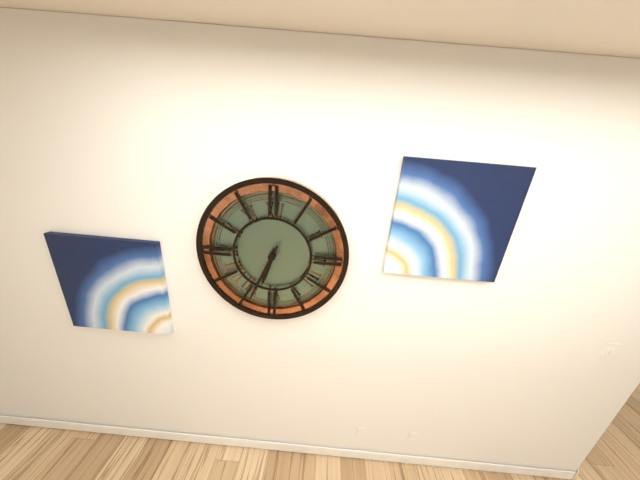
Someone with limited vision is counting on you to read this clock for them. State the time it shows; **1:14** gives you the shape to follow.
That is **6:34**
